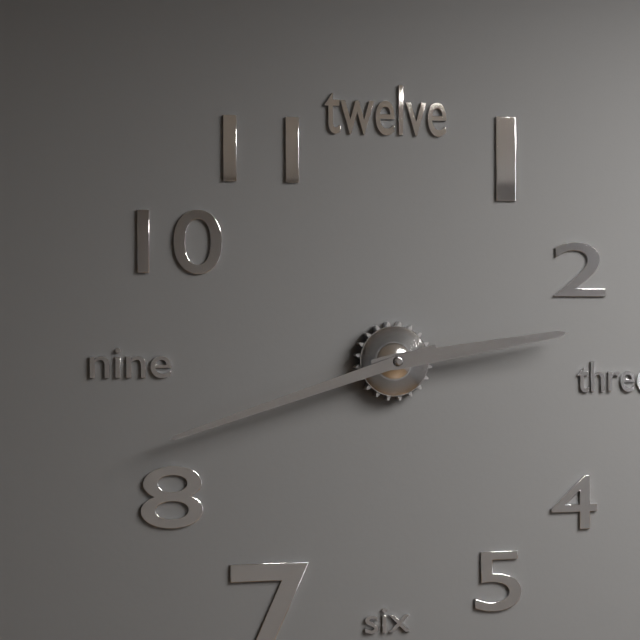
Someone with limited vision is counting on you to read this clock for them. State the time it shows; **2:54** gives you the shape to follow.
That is **2:42**
